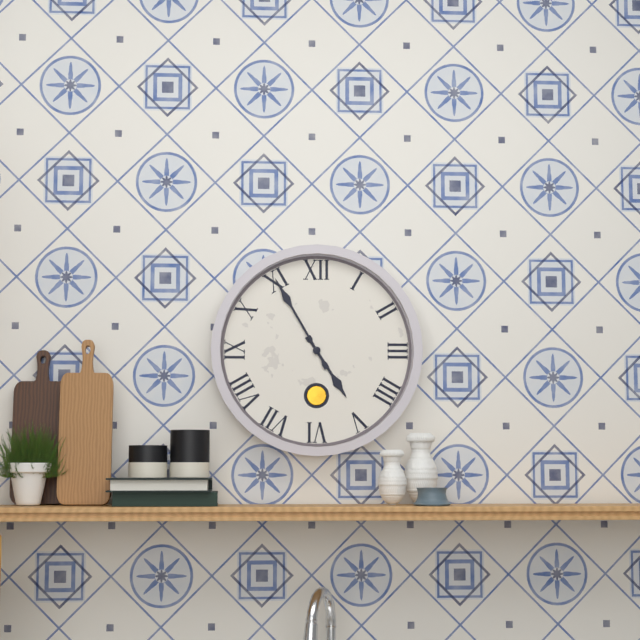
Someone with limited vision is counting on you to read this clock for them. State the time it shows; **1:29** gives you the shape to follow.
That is **4:55**
